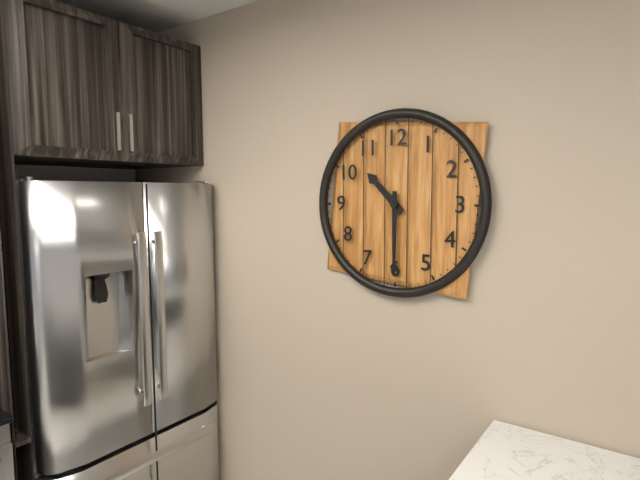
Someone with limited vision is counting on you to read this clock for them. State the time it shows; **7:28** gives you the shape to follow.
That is **10:30**
